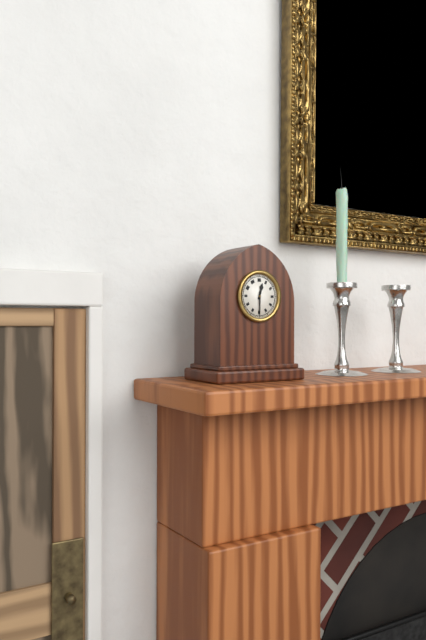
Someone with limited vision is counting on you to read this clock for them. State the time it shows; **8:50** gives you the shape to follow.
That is **12:30**
